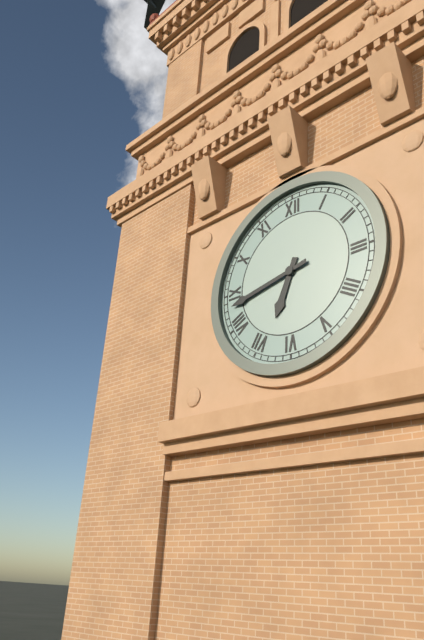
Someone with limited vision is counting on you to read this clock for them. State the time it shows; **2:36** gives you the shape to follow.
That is **6:43**
